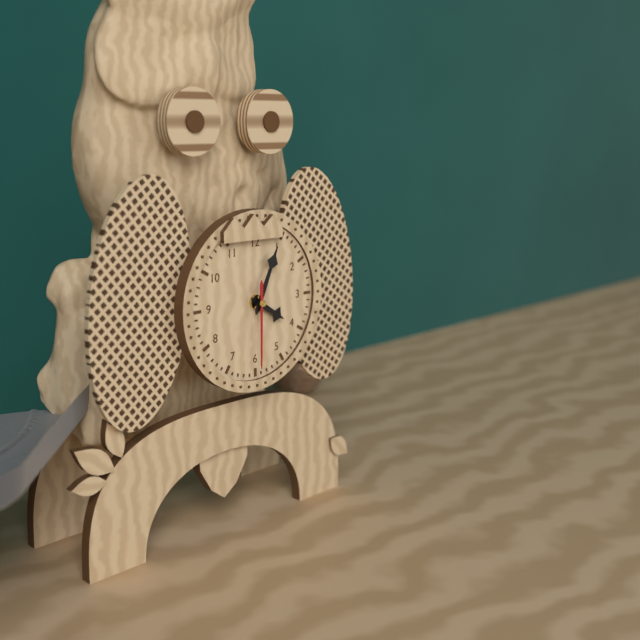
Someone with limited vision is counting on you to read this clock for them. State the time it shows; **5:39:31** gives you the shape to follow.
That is **4:04:30**
